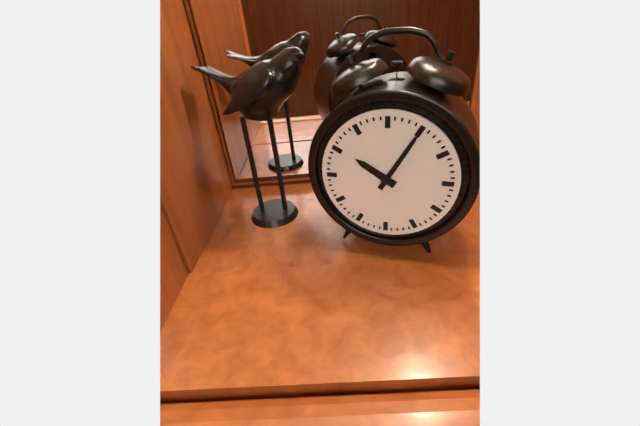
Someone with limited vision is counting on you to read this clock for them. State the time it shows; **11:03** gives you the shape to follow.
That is **10:05**
